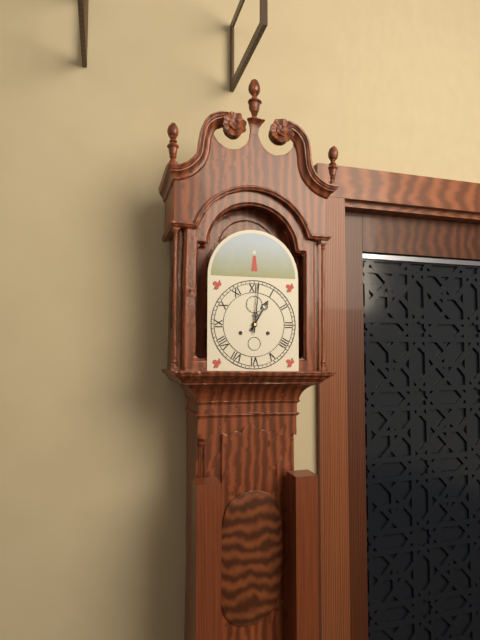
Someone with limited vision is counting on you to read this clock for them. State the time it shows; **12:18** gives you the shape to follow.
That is **1:01**
